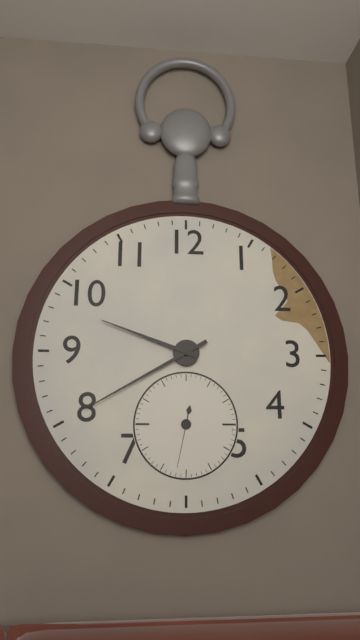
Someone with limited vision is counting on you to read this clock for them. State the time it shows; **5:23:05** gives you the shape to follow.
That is **9:40:32**
